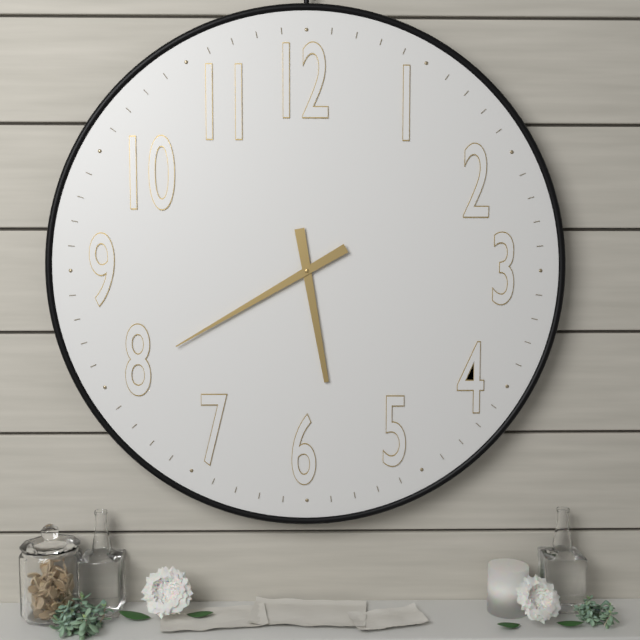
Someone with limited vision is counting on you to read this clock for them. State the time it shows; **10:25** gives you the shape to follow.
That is **5:40**
